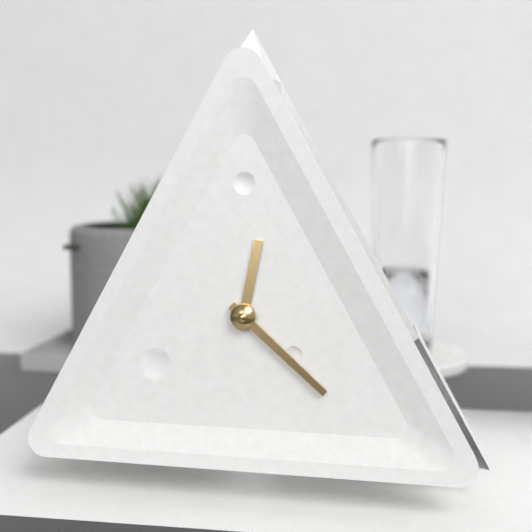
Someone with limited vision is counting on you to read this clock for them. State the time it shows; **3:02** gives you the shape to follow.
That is **12:22**
